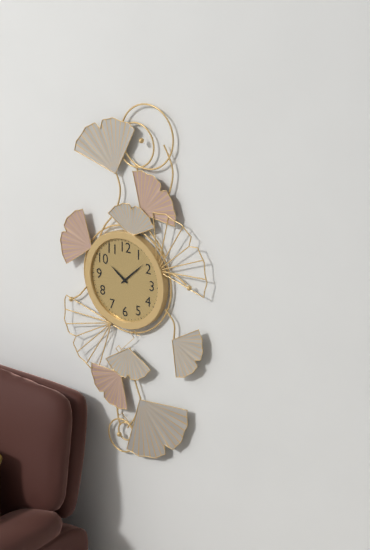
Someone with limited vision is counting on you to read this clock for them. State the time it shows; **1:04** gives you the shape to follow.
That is **10:08**
